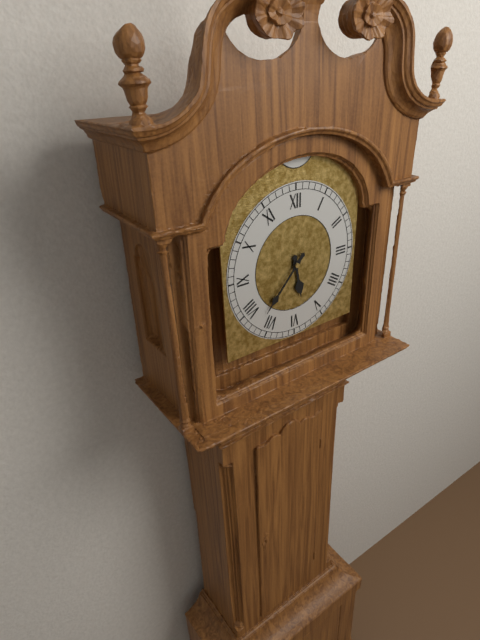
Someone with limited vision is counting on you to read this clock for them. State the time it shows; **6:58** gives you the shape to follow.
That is **5:37**
